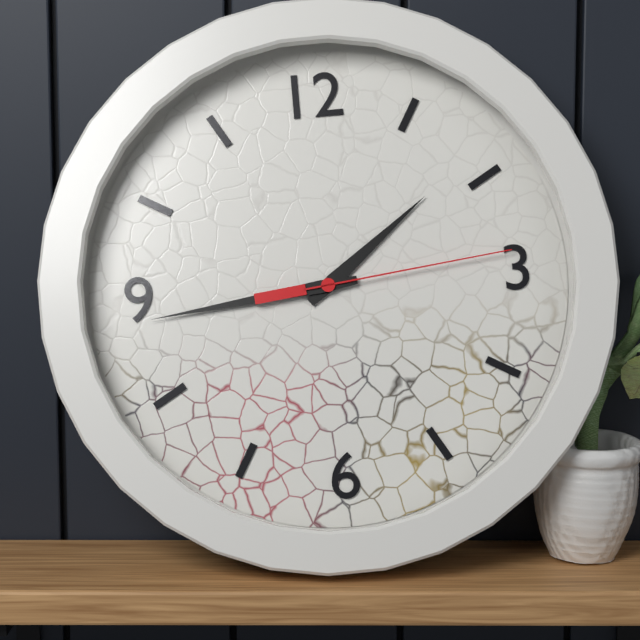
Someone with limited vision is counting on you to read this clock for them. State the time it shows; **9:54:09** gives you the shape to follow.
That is **1:44:14**
